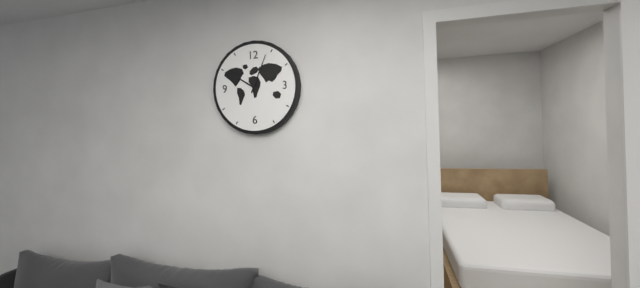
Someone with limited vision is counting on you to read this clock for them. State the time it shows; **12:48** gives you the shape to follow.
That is **10:04**
